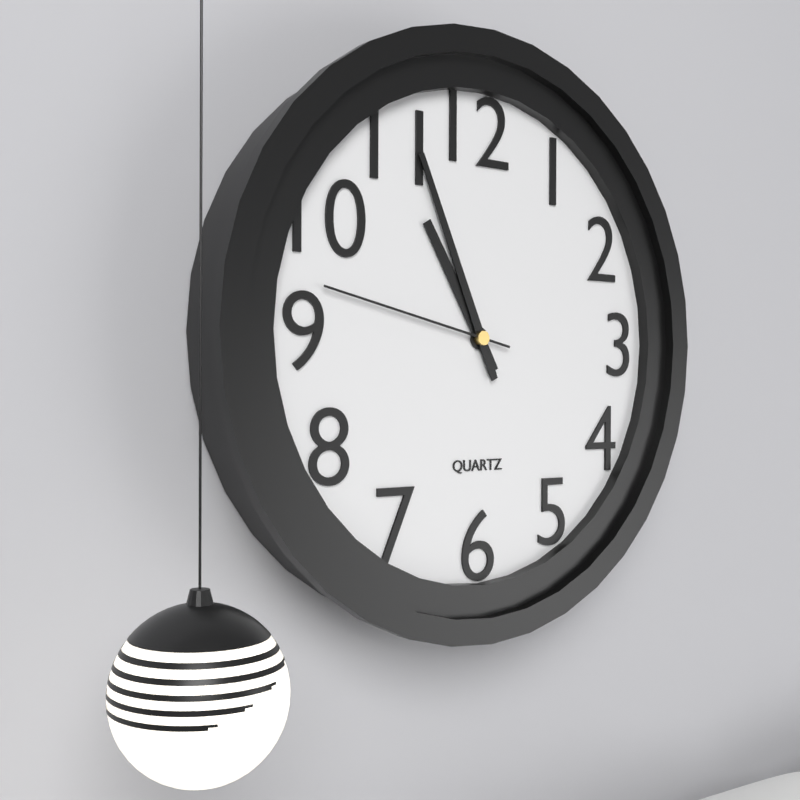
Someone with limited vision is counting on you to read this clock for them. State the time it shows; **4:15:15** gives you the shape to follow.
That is **10:56:47**
